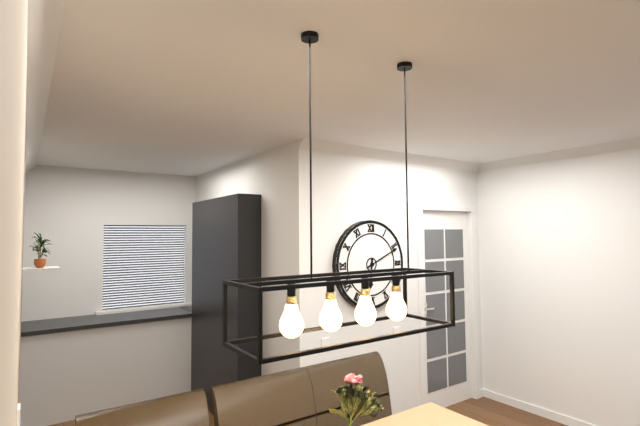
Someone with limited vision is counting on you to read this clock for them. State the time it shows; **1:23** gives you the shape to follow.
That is **6:11**
